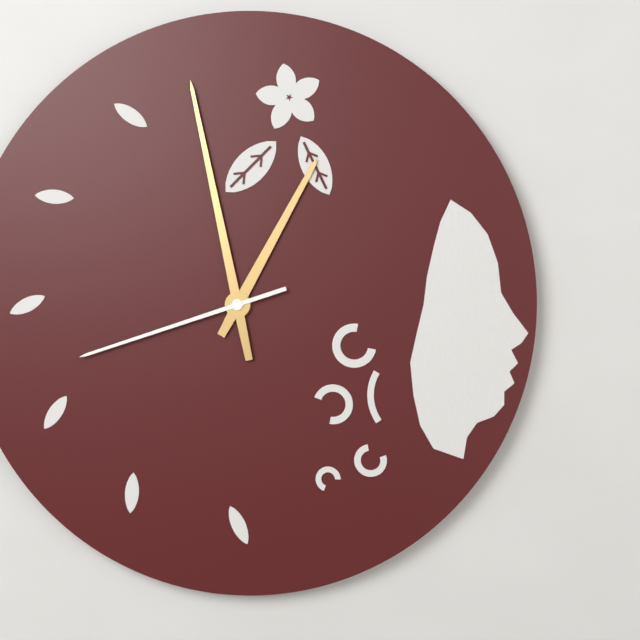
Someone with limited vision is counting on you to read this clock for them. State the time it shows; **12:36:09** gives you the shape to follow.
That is **12:58:42**
